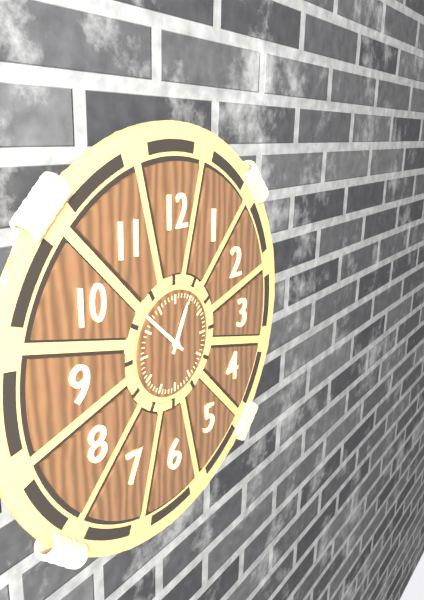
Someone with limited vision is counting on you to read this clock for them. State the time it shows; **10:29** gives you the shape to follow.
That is **12:52**
